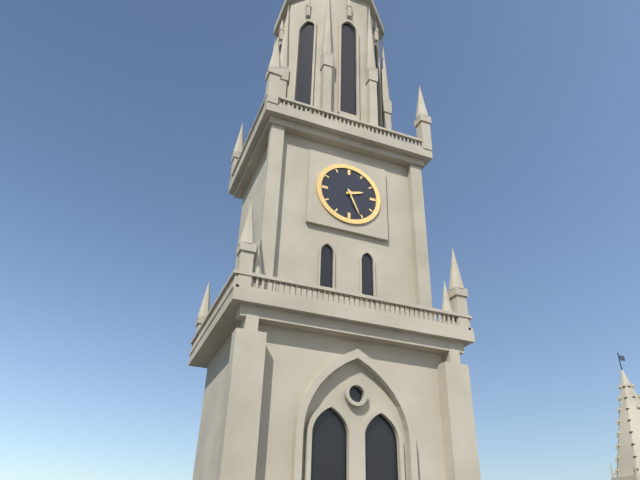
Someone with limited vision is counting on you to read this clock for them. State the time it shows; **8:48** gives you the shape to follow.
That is **2:26**
